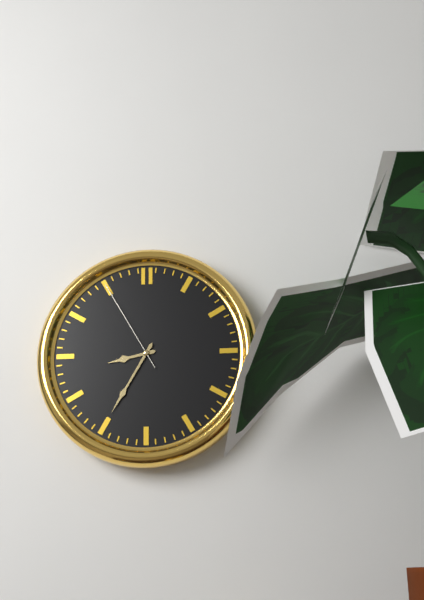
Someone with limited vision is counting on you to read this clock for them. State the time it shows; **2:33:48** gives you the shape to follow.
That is **8:35:55**
